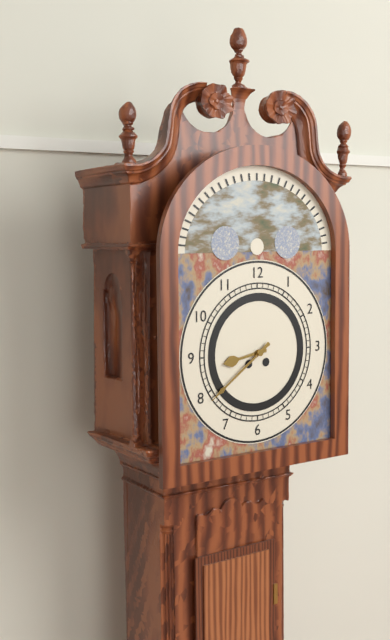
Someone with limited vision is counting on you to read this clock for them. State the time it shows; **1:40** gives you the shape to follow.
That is **8:39**
